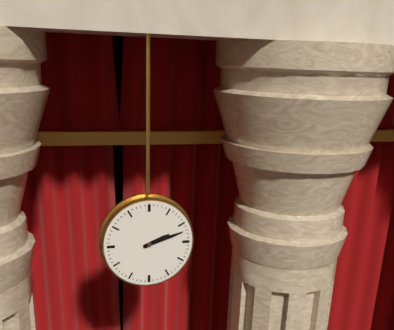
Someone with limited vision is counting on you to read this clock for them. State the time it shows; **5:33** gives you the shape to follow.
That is **2:12**
